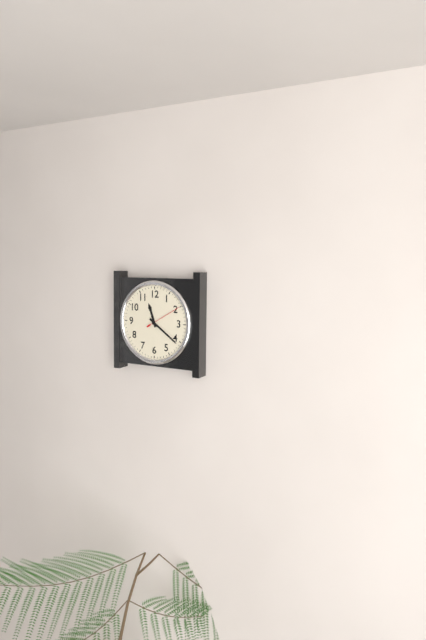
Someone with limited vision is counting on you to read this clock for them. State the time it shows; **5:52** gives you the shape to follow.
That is **11:21**
